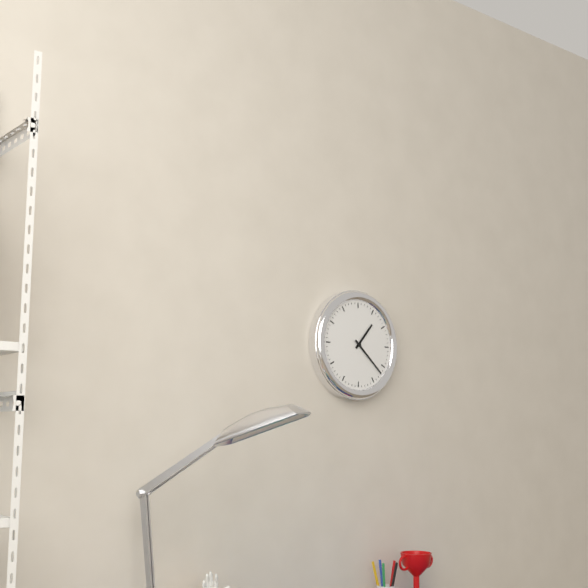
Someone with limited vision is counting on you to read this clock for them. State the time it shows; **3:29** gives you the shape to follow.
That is **1:22**
